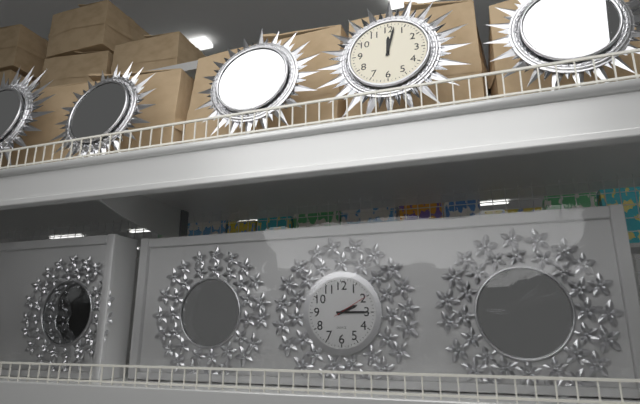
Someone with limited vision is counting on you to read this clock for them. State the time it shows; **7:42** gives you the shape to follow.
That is **2:15**
